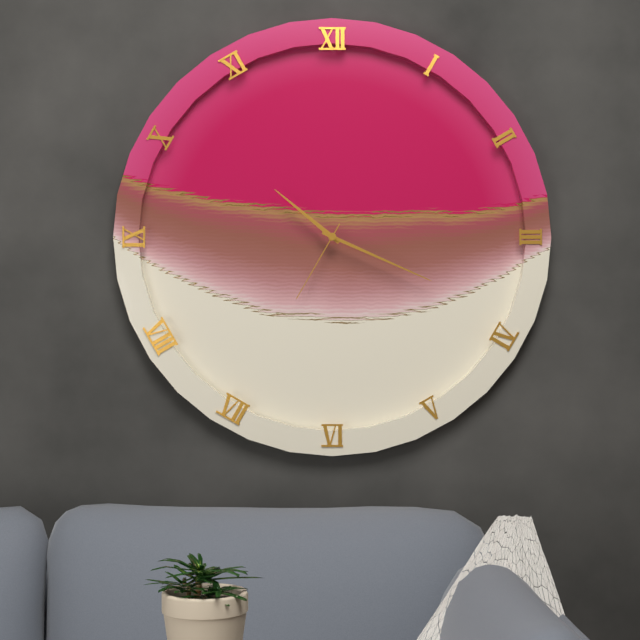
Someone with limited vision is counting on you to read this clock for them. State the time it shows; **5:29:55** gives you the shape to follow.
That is **10:19:35**
